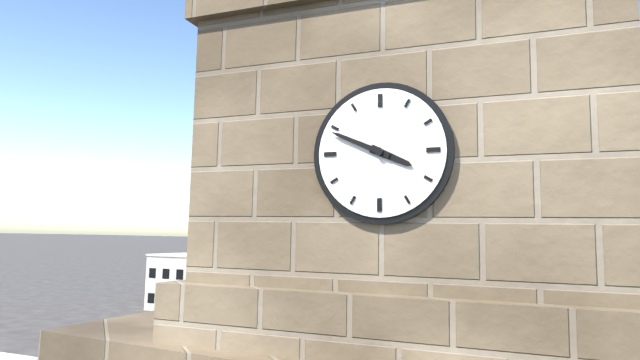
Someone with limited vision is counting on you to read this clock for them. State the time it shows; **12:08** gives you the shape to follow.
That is **3:49**
